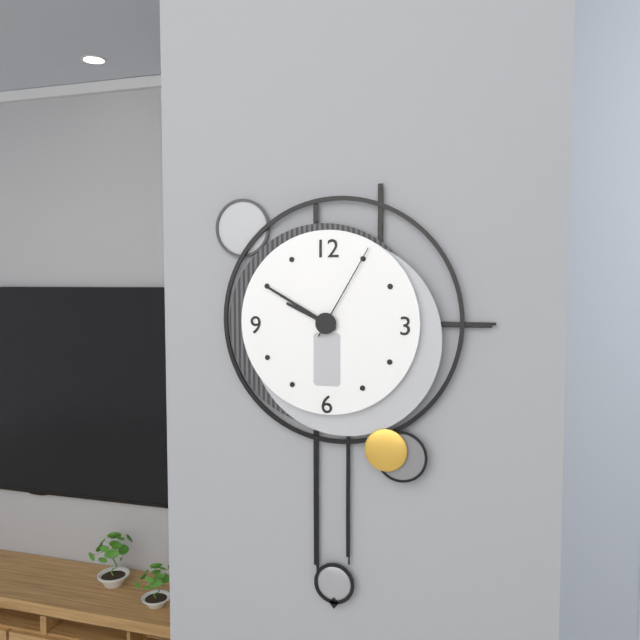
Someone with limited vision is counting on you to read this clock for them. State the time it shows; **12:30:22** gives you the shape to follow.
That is **9:50:05**
